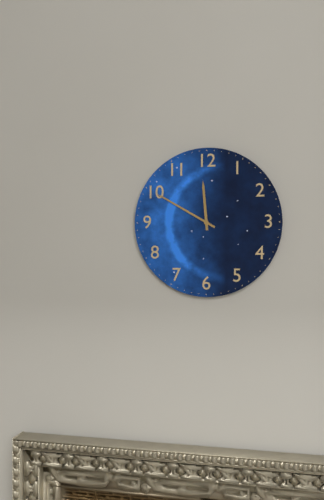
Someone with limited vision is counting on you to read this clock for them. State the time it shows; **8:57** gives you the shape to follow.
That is **11:50**
